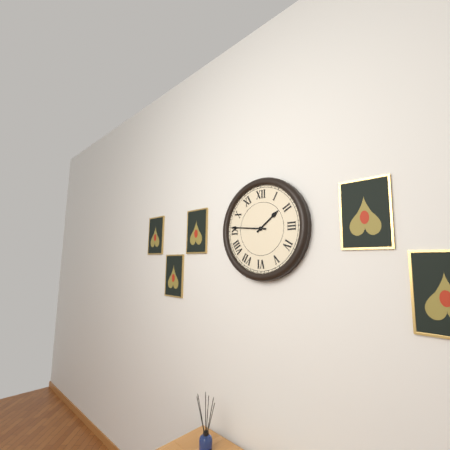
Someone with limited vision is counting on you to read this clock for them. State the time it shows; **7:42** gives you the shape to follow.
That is **1:46**
